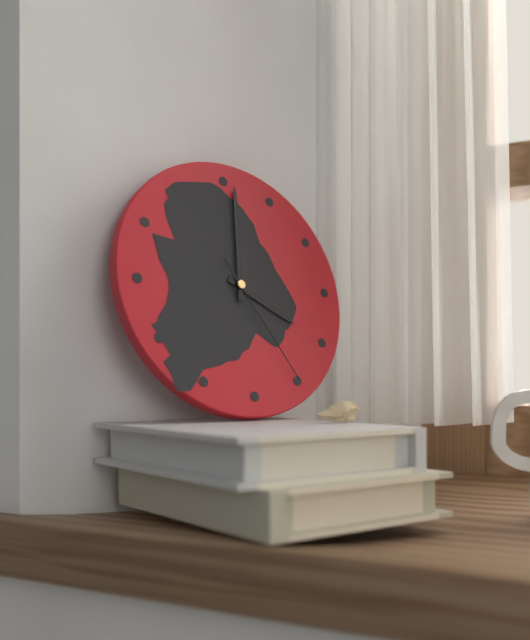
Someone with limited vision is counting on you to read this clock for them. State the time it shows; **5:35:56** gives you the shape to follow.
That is **4:01:25**
